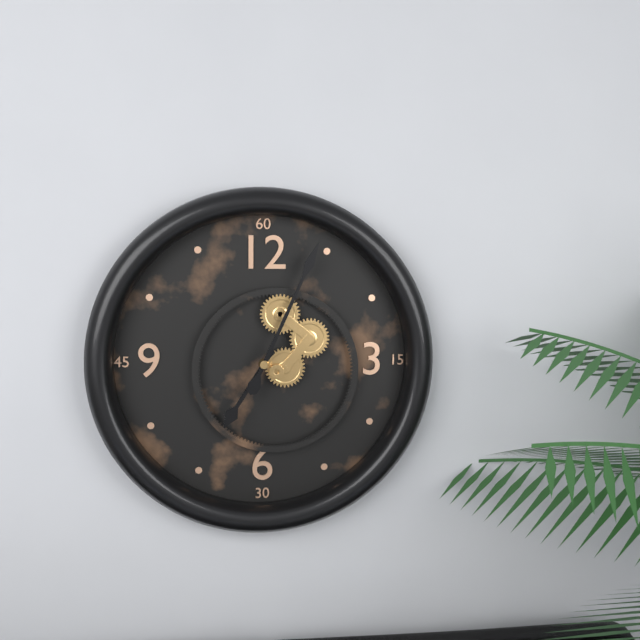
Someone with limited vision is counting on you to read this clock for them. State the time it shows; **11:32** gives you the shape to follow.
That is **7:04**
